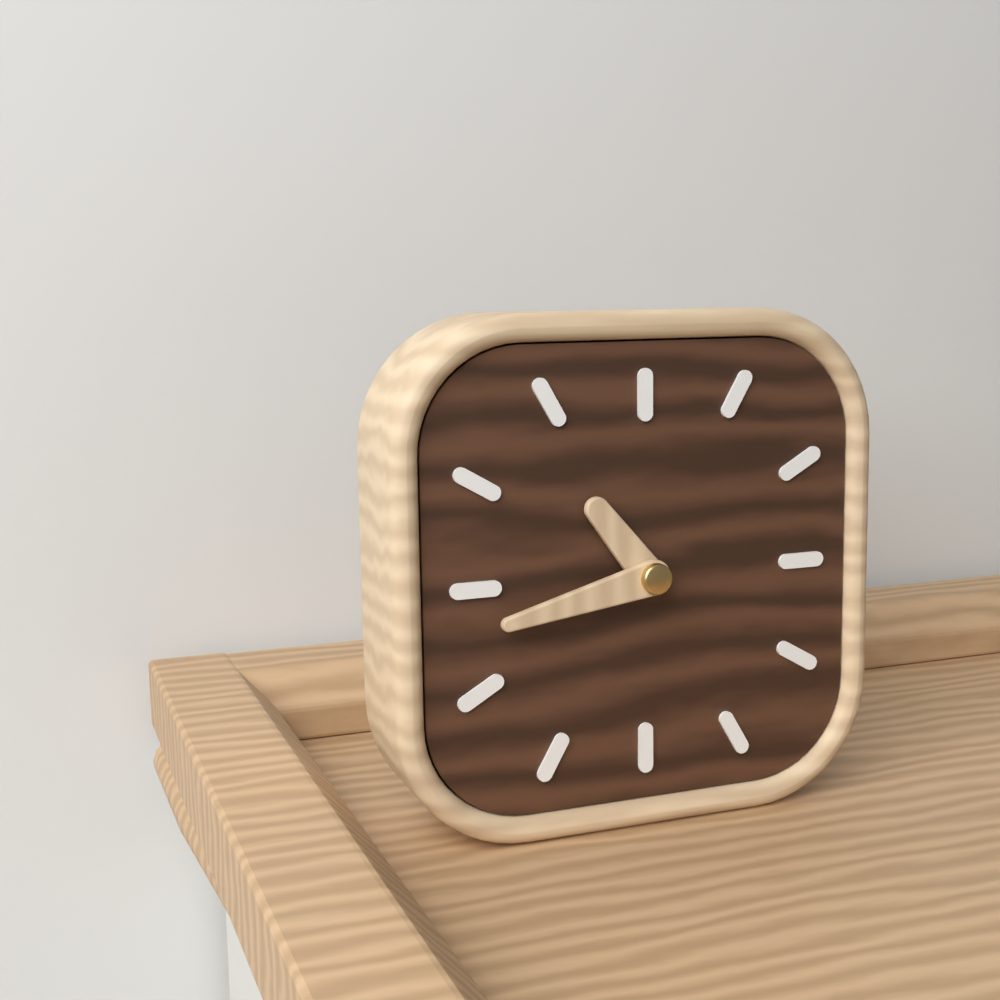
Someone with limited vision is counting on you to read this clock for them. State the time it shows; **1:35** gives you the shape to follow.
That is **10:43**
